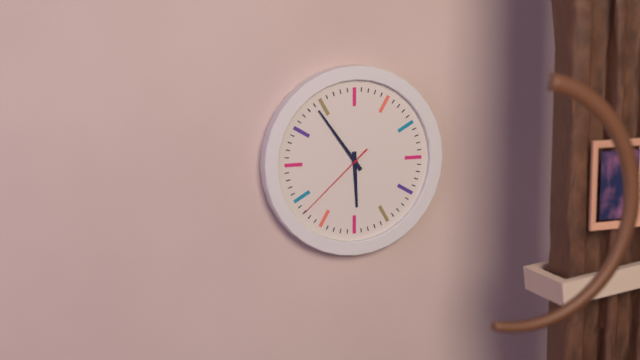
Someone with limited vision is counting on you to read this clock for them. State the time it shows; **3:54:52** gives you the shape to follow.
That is **5:54:38**
